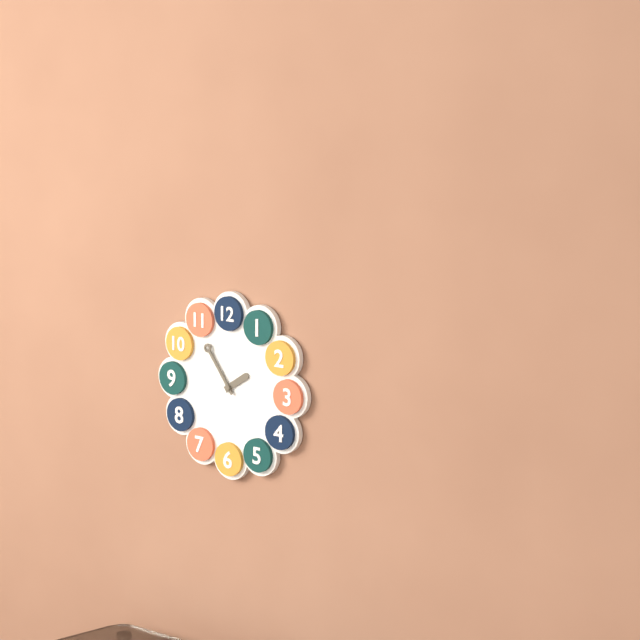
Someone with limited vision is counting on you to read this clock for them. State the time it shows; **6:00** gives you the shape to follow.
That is **1:54**
